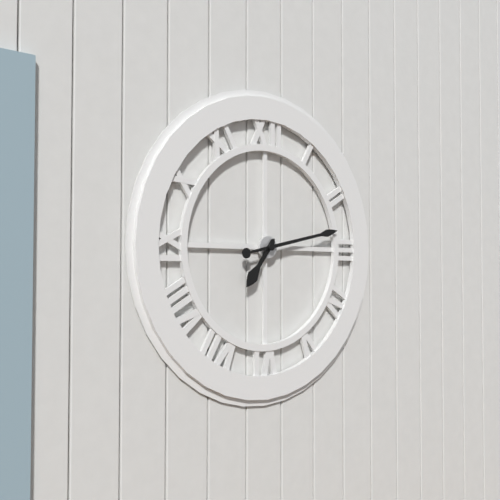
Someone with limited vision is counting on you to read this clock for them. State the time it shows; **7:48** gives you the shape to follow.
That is **7:13**
